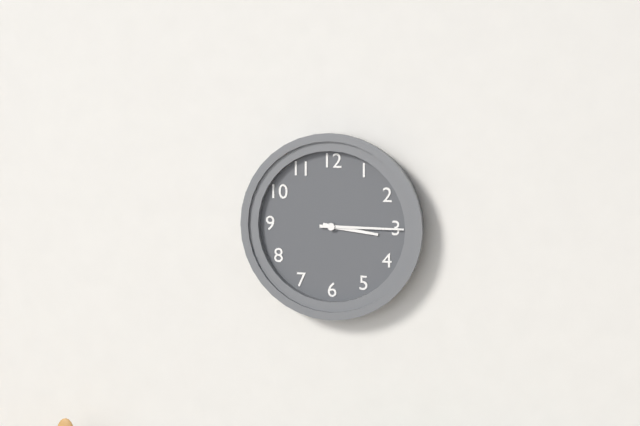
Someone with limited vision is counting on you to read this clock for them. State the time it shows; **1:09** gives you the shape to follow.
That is **3:15**
